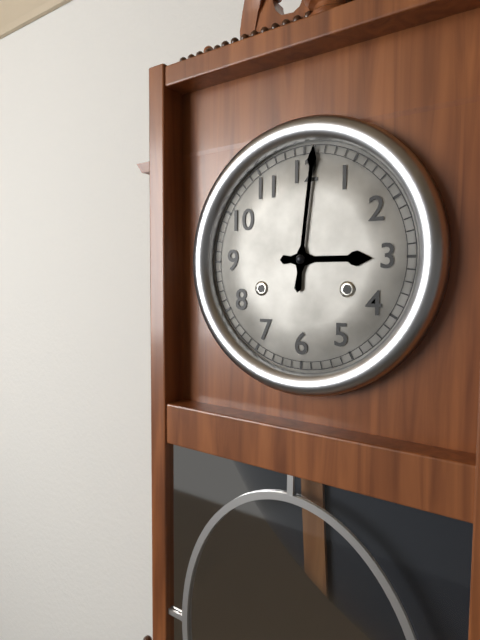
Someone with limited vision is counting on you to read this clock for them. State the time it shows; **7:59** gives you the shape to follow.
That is **3:01**
